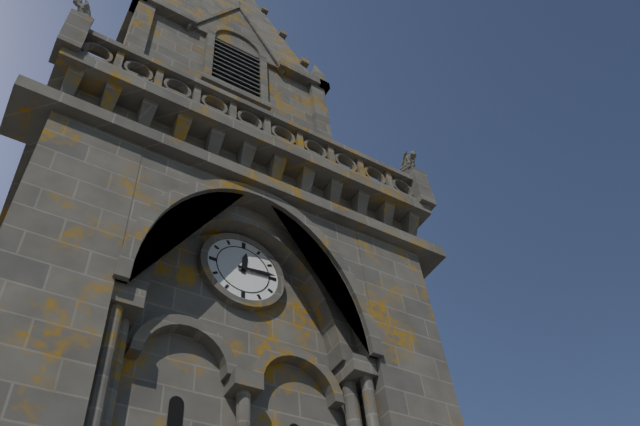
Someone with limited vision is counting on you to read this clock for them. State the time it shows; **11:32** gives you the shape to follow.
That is **12:14**
